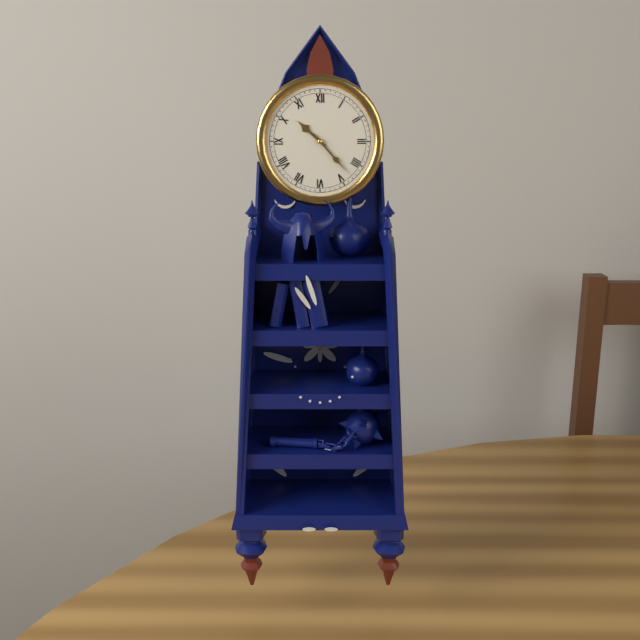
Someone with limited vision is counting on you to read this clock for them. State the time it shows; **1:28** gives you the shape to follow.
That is **10:23**
